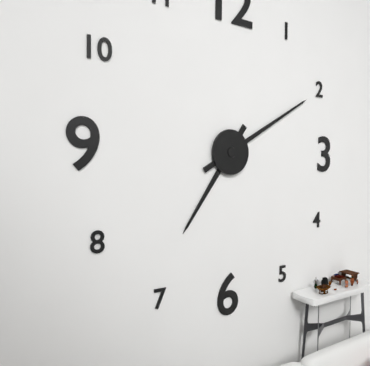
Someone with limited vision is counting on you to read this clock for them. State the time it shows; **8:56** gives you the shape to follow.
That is **7:10**
